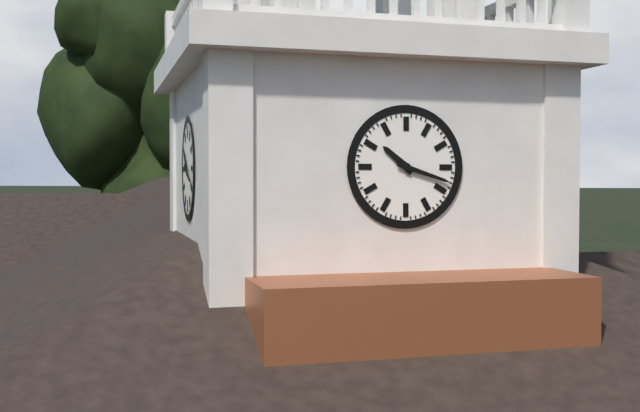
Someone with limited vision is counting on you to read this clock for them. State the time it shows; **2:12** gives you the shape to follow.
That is **10:18**
